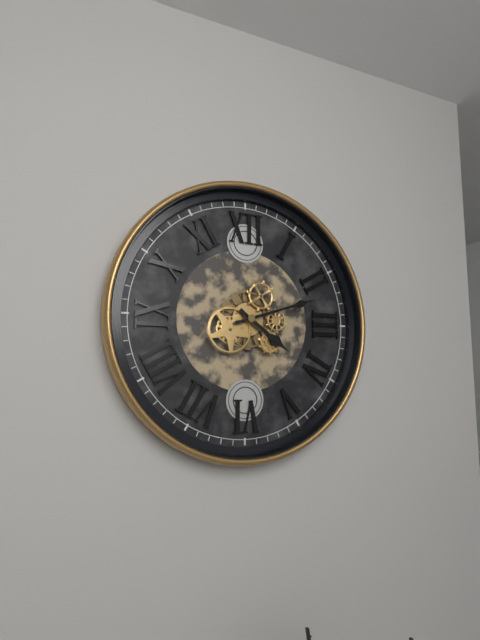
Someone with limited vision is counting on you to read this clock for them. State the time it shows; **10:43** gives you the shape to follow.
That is **4:12**
